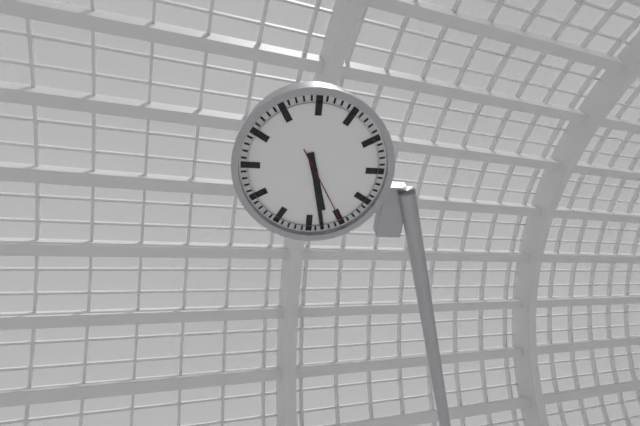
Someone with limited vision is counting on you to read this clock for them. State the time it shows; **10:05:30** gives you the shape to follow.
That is **5:28:25**
